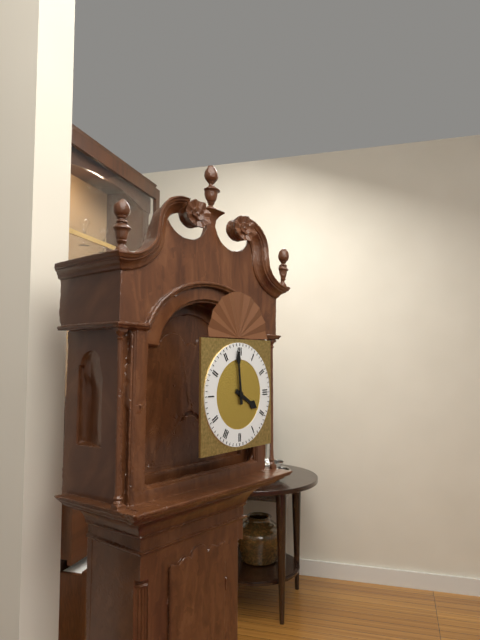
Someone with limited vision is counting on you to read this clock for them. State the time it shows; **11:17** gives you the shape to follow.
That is **3:59**
